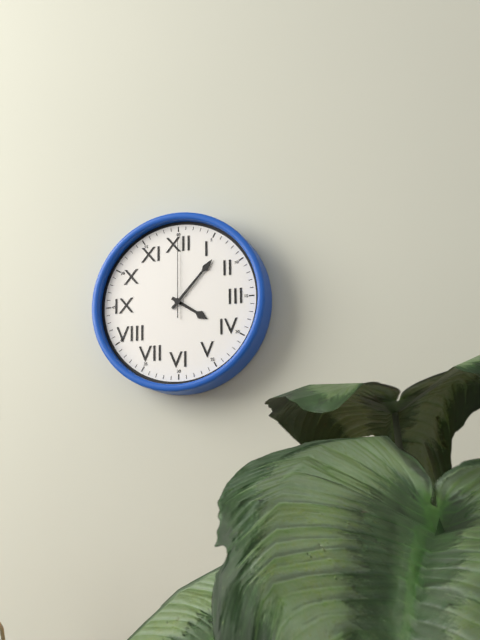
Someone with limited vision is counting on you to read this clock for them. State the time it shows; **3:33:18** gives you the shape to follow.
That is **4:07:00**
